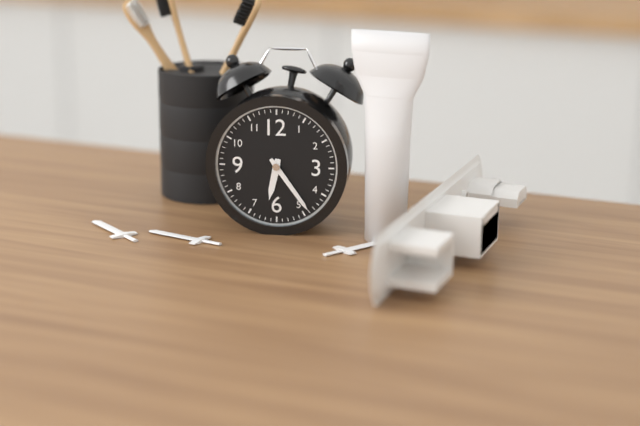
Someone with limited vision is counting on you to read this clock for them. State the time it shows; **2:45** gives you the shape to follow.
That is **6:24**
